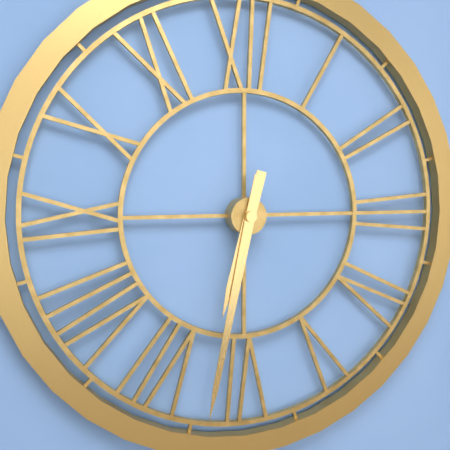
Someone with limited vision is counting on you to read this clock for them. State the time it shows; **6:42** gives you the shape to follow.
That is **6:32**
